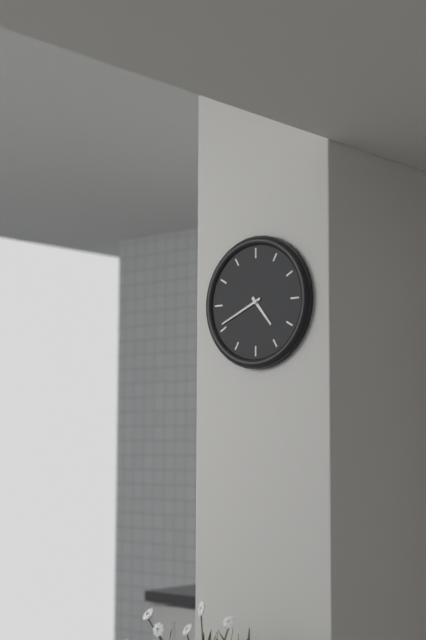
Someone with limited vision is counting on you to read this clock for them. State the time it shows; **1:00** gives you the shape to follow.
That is **4:41**
